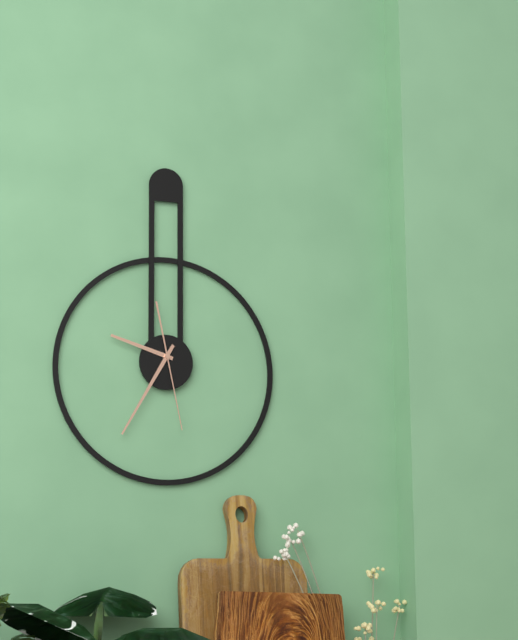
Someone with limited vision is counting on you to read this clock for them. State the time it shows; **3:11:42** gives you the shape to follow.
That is **9:35:28**
